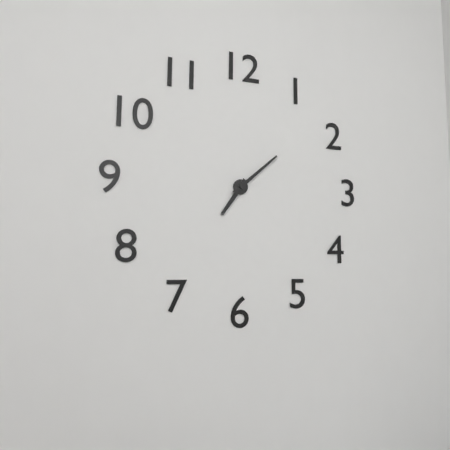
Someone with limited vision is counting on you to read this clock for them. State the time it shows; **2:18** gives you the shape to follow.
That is **7:08**
